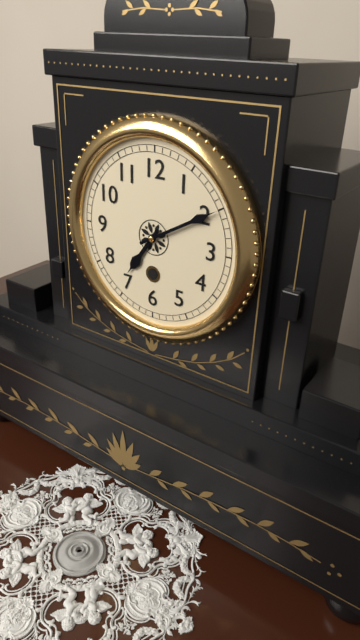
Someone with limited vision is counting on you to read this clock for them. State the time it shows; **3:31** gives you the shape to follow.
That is **7:10**
